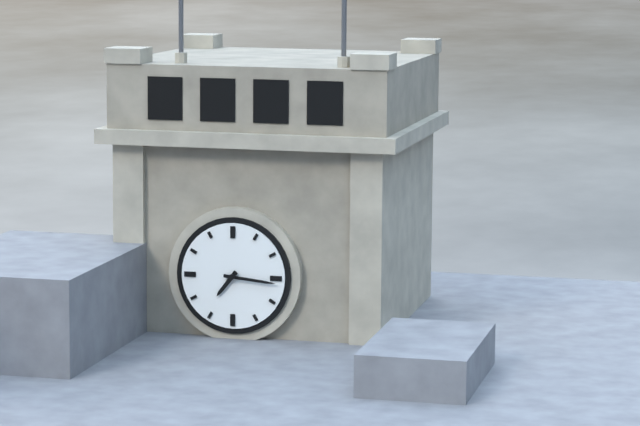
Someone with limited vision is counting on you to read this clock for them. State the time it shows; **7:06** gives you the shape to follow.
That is **7:16**
